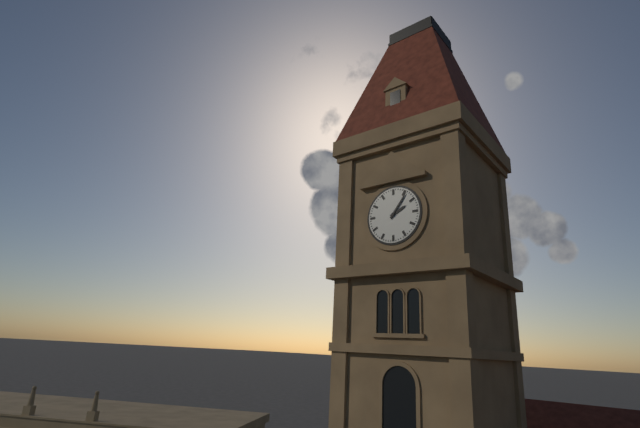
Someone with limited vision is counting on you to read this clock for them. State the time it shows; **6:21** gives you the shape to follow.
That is **2:06**
